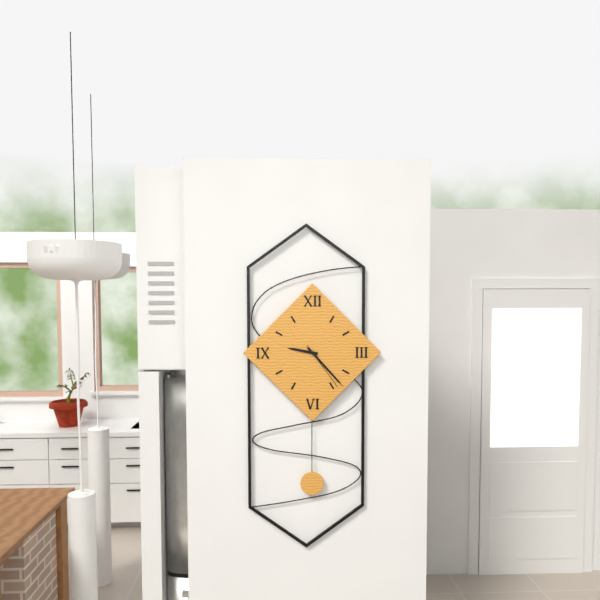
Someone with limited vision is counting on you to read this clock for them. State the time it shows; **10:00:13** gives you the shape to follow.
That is **9:23:24**
